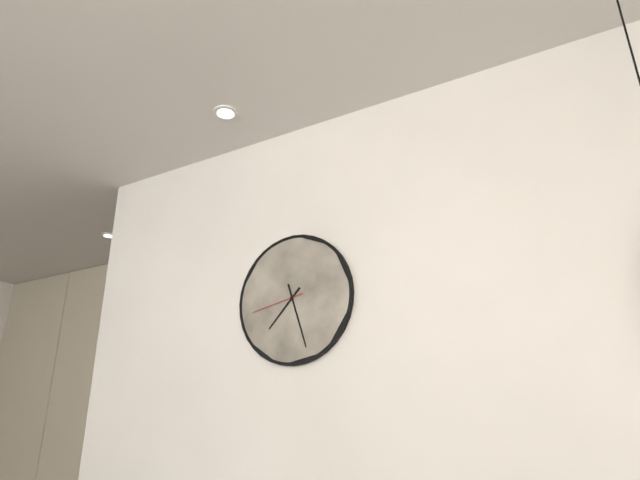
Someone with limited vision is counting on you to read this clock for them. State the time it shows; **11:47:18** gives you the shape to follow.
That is **7:27:43**
